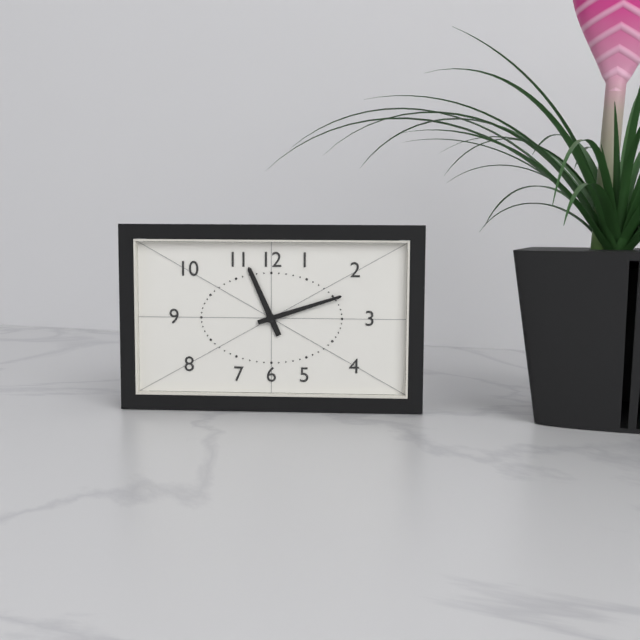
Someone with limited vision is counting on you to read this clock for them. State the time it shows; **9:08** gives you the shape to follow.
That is **11:12**
